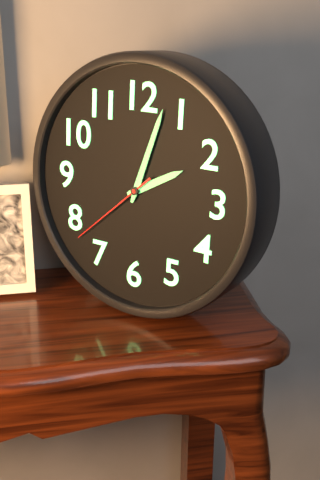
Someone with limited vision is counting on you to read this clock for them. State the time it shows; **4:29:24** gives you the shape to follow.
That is **2:03:38**
